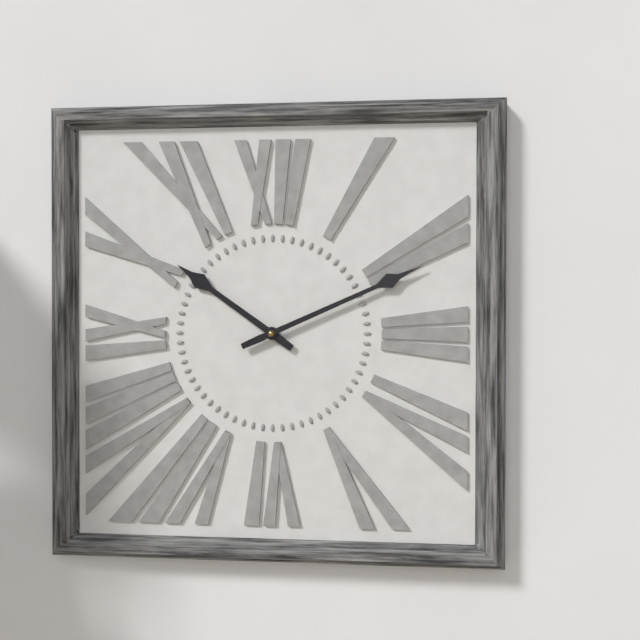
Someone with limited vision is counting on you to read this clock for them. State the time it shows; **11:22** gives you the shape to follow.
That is **10:11**
